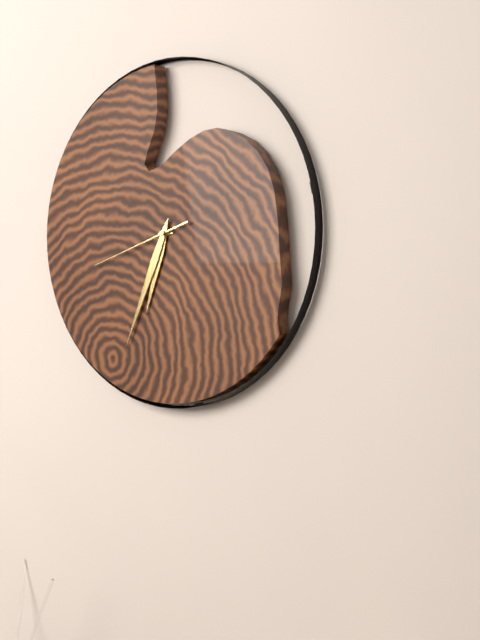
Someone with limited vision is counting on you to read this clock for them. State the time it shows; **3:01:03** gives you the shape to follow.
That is **6:34:42**
